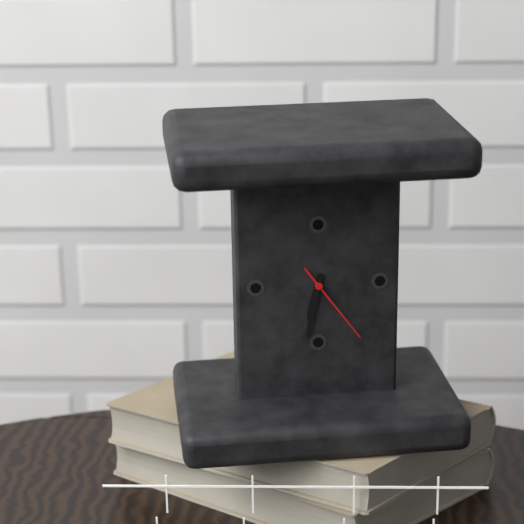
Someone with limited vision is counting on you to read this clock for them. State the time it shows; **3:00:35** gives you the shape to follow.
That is **6:32:24**
